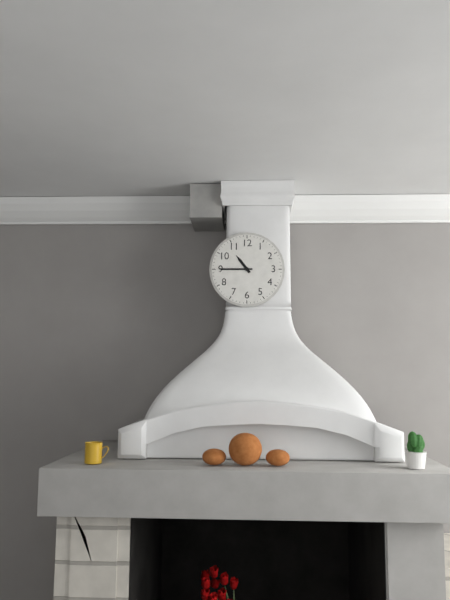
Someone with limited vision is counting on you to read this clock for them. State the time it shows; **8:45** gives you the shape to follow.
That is **10:45**
